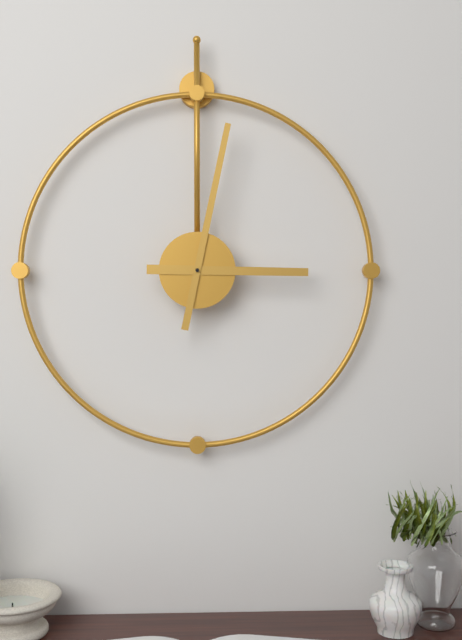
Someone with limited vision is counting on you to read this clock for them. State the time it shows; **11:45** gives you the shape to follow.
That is **3:02**
